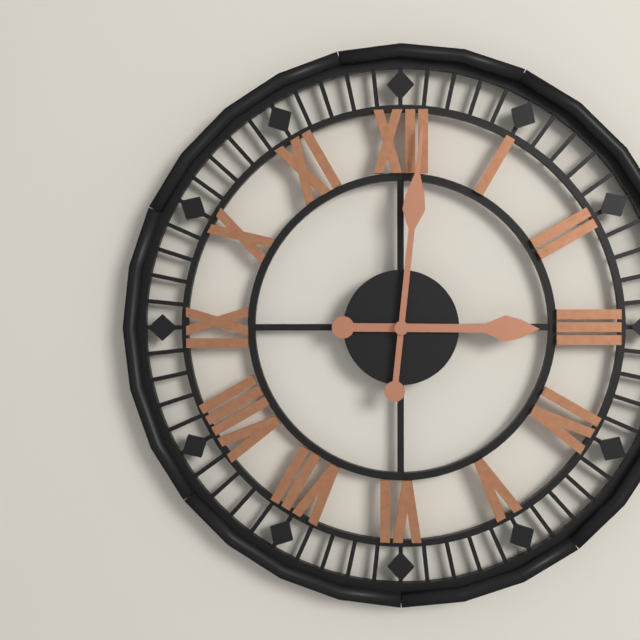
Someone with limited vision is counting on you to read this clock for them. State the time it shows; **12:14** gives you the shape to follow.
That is **3:01**
